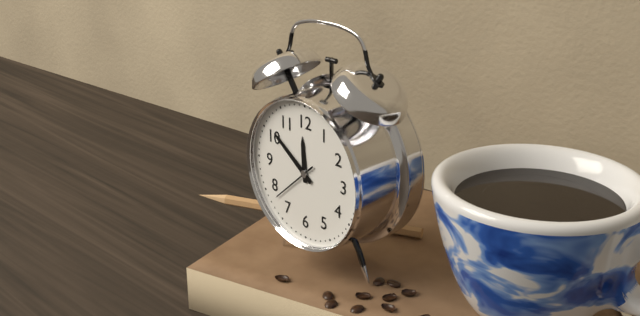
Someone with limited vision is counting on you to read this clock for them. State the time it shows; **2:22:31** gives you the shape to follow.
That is **11:51:38**
